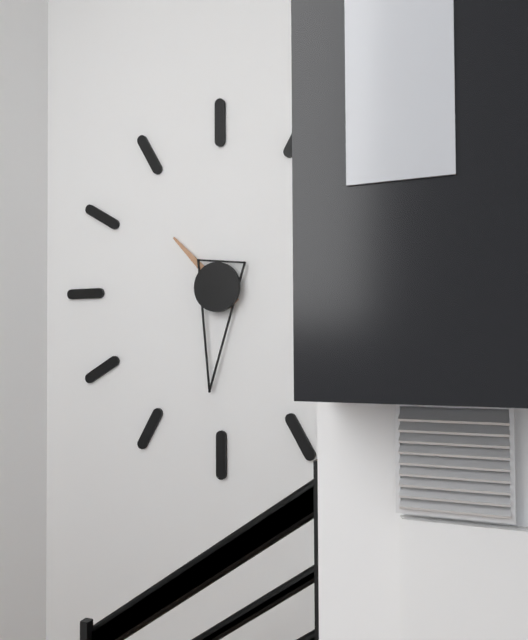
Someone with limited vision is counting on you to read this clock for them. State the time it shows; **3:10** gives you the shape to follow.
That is **10:31**
